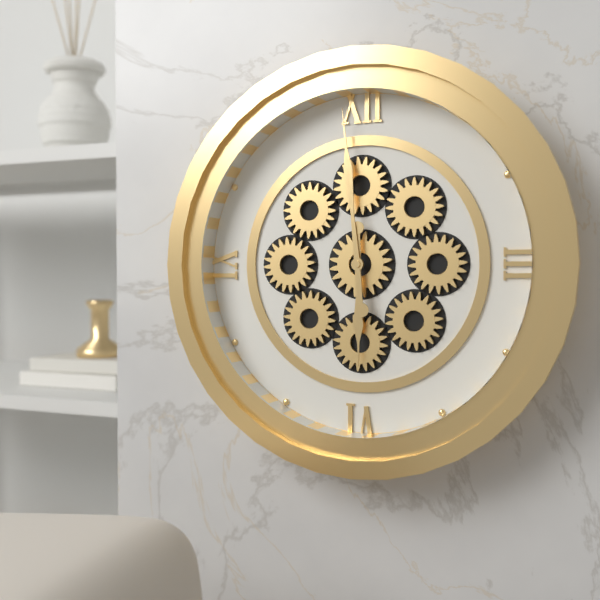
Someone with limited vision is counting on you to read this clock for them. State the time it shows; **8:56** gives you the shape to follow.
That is **5:59**
